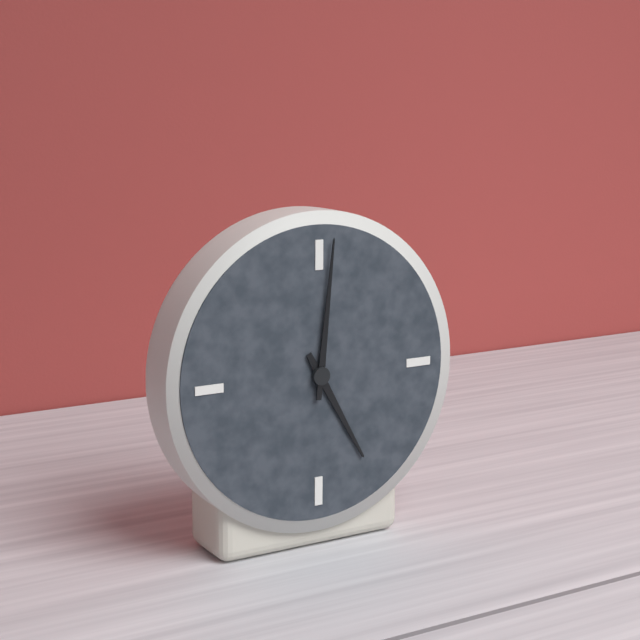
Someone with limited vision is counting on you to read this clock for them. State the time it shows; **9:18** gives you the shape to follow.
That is **5:01**
